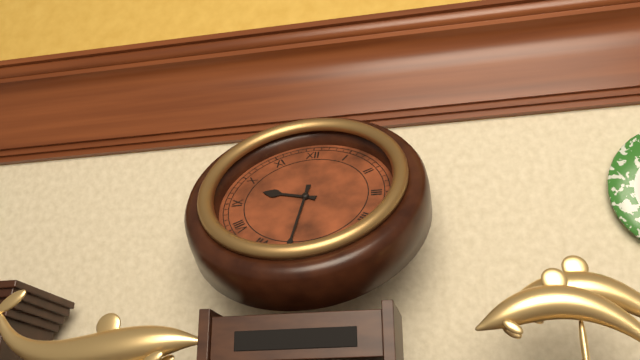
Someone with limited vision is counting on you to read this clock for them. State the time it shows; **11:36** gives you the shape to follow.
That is **9:31**
